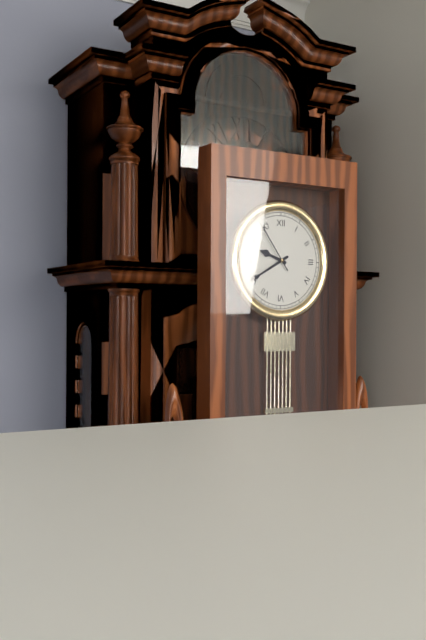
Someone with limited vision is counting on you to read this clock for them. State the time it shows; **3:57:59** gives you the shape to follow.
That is **9:40:54**
